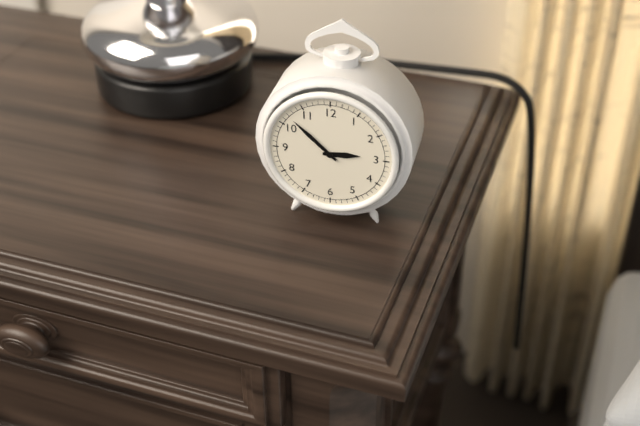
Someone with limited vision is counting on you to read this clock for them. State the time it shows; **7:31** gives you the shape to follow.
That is **2:52**
